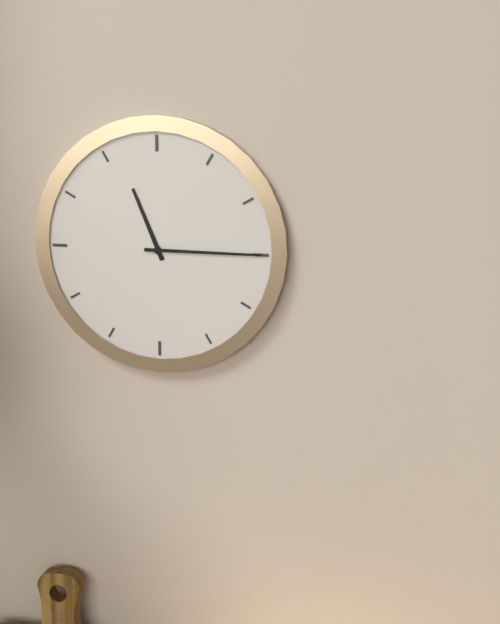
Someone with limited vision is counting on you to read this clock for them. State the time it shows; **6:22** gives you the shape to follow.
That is **11:15**
